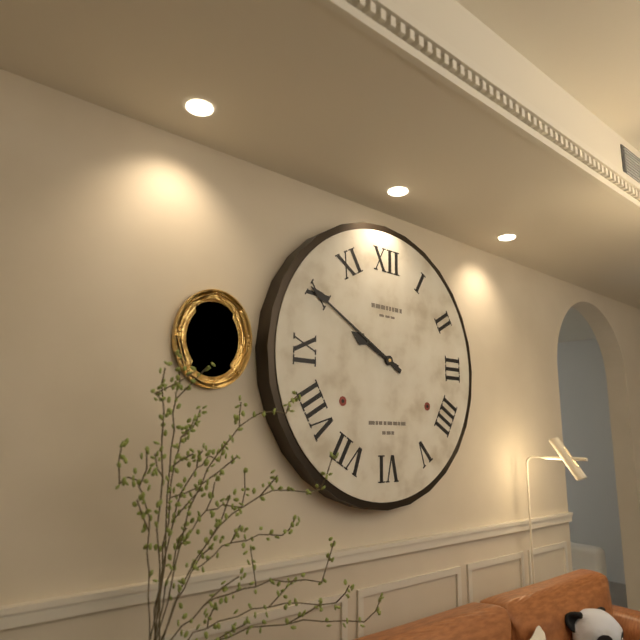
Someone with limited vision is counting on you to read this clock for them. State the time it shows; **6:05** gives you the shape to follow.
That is **9:50**
